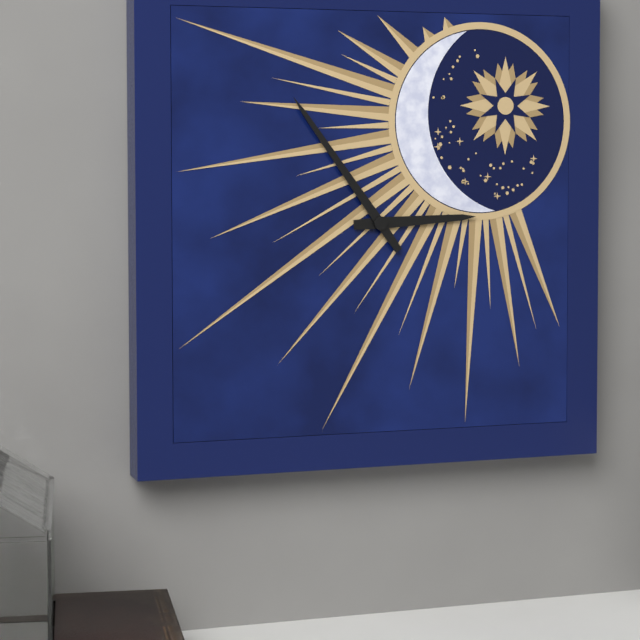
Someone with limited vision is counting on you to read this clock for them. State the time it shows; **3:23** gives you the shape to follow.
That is **2:54**
